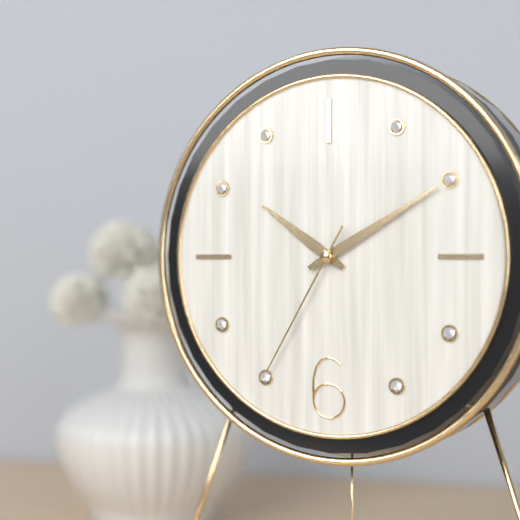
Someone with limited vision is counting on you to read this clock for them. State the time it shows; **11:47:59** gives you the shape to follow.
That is **10:10:35**
